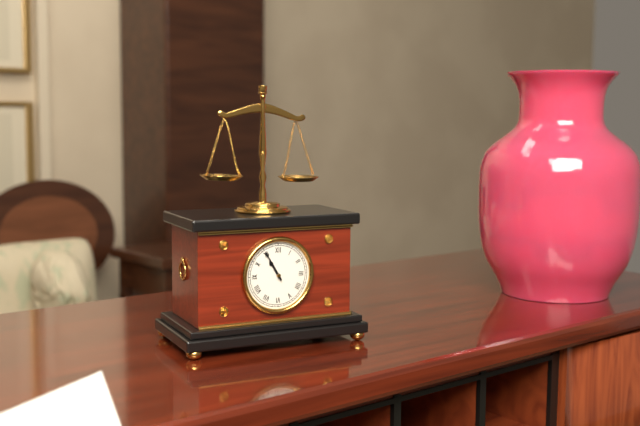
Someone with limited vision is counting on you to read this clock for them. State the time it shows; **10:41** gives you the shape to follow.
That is **10:55**
